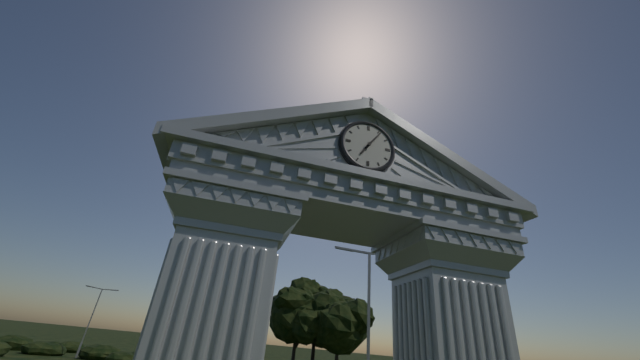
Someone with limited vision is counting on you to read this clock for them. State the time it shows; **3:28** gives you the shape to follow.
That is **7:06**
